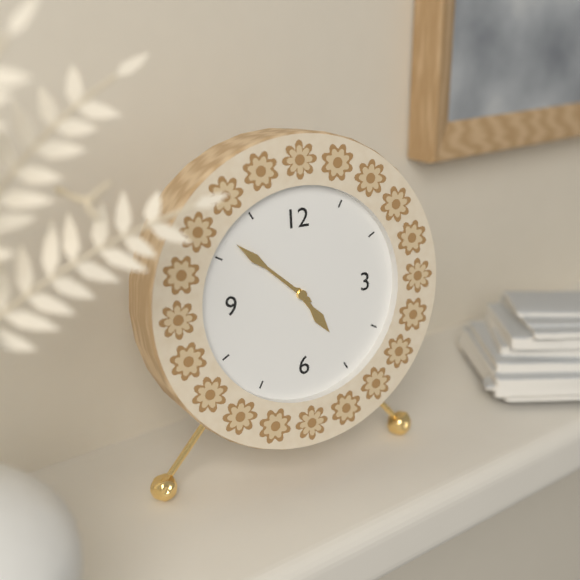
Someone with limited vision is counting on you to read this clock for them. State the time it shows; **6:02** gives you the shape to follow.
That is **4:52**
